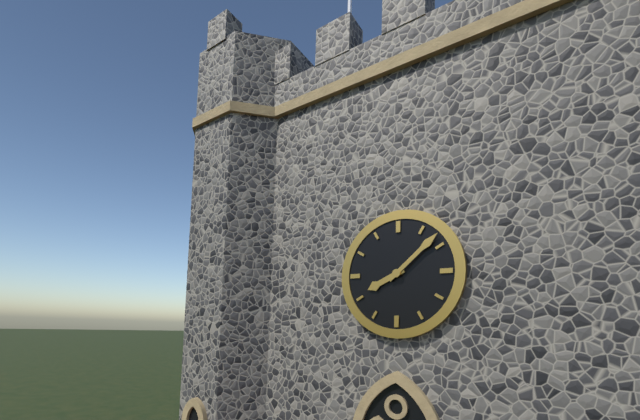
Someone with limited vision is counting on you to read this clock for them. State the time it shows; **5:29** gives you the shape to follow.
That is **8:08**
